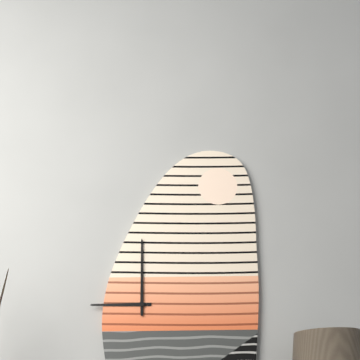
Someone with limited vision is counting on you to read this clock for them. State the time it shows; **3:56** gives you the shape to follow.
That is **9:00**
